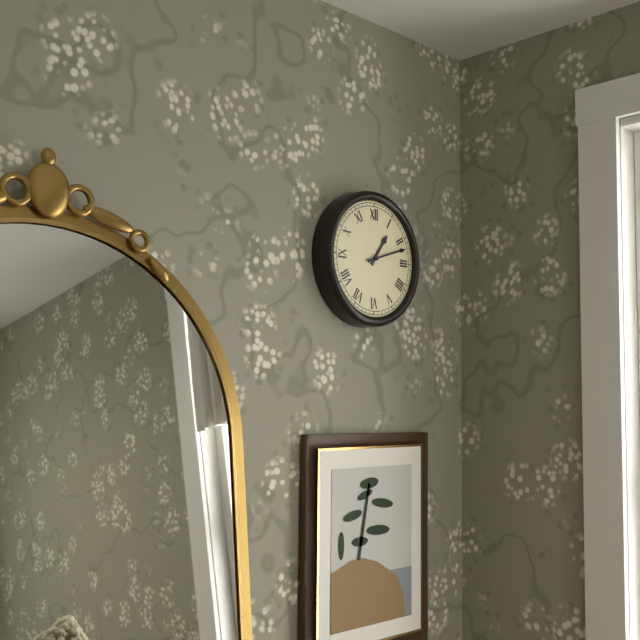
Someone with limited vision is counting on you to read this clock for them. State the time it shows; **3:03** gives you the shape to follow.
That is **1:12**
